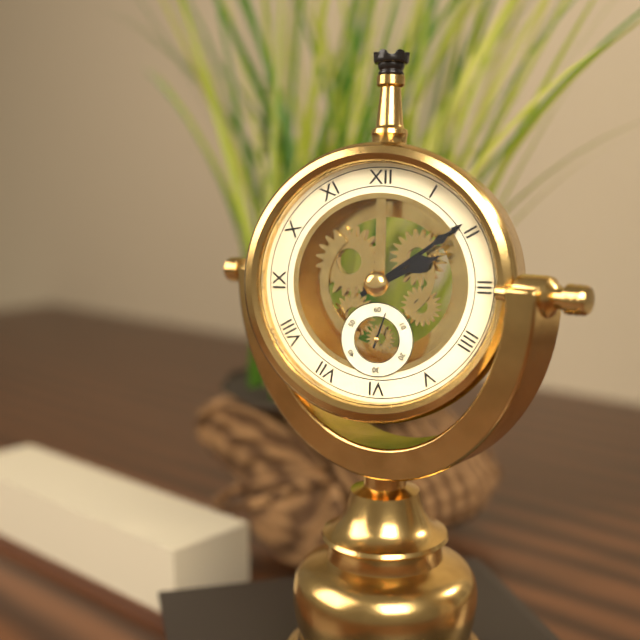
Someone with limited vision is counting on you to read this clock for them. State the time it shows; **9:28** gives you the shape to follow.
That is **2:09**
